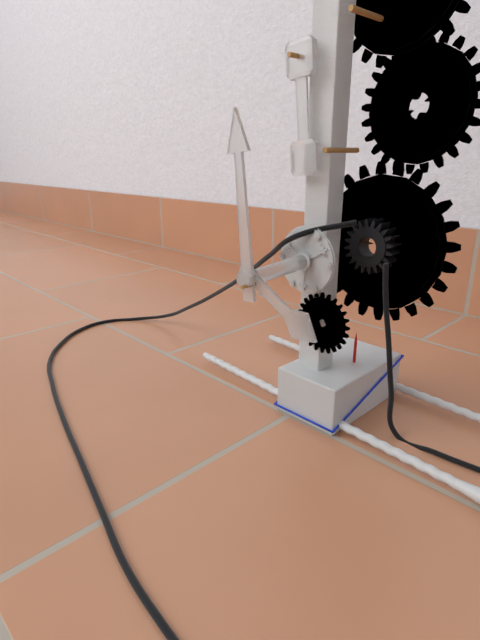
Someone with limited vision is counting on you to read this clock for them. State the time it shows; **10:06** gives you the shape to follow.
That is **3:59**
